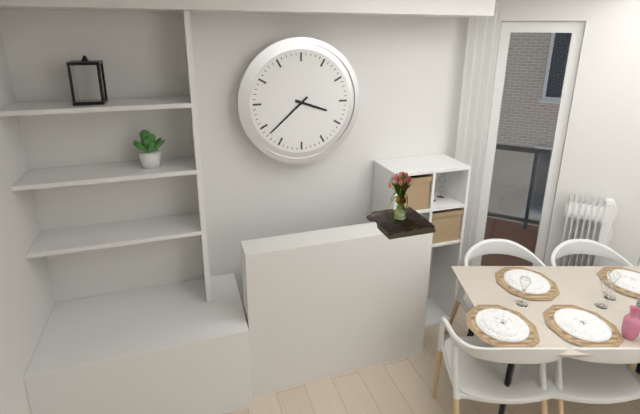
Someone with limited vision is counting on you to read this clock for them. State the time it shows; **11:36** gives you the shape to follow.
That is **3:38**
